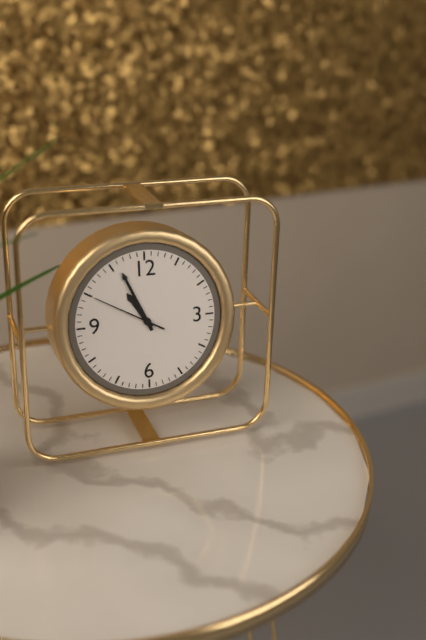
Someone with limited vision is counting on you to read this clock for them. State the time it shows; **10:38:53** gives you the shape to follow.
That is **10:56:50**
